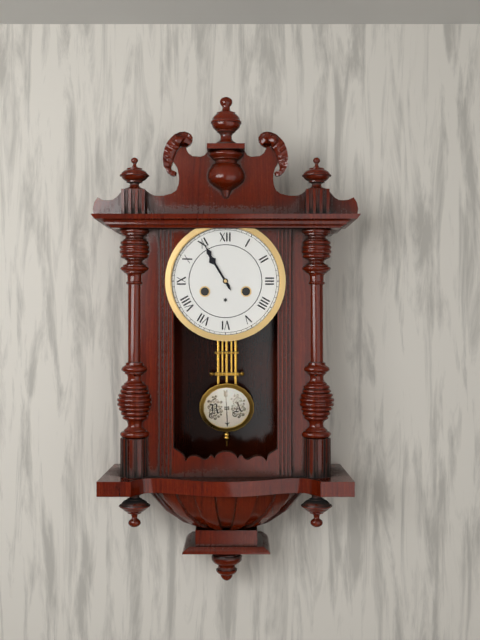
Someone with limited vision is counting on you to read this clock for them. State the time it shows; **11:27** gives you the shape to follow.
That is **10:55**
